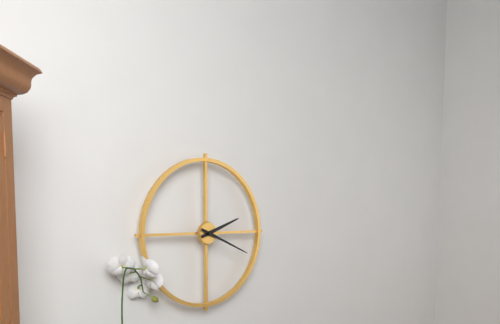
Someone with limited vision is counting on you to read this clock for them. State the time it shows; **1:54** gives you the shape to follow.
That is **2:19**
